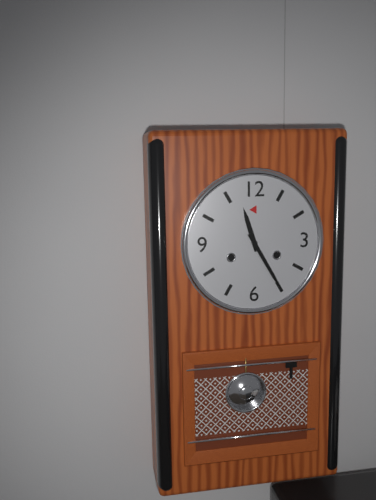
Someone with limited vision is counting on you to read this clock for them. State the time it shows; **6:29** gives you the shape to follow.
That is **11:25**
